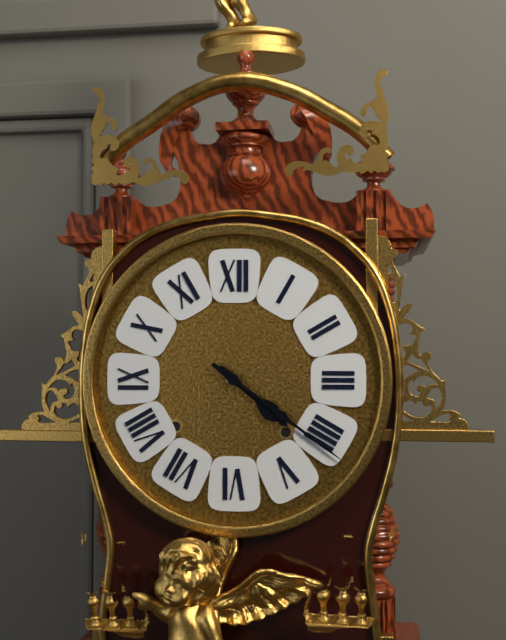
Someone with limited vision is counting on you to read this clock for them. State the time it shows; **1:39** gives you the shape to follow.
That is **4:21**
